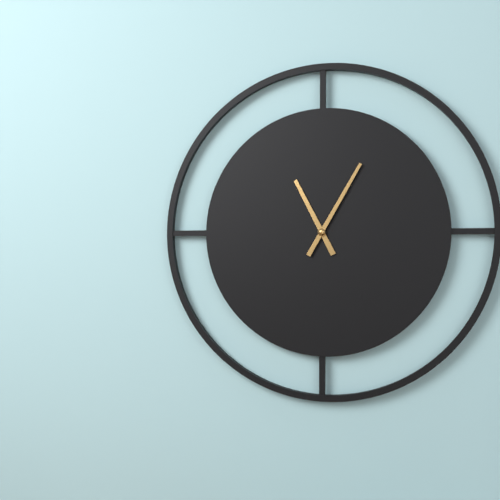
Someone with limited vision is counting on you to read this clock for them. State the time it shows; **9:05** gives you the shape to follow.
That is **11:05**
